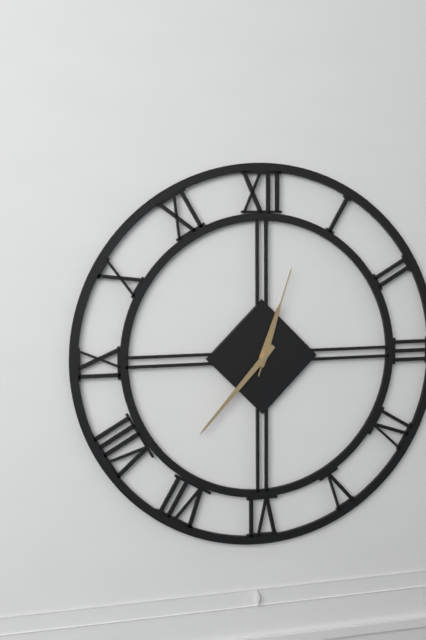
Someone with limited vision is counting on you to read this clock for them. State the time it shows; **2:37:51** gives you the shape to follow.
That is **12:37:03**
